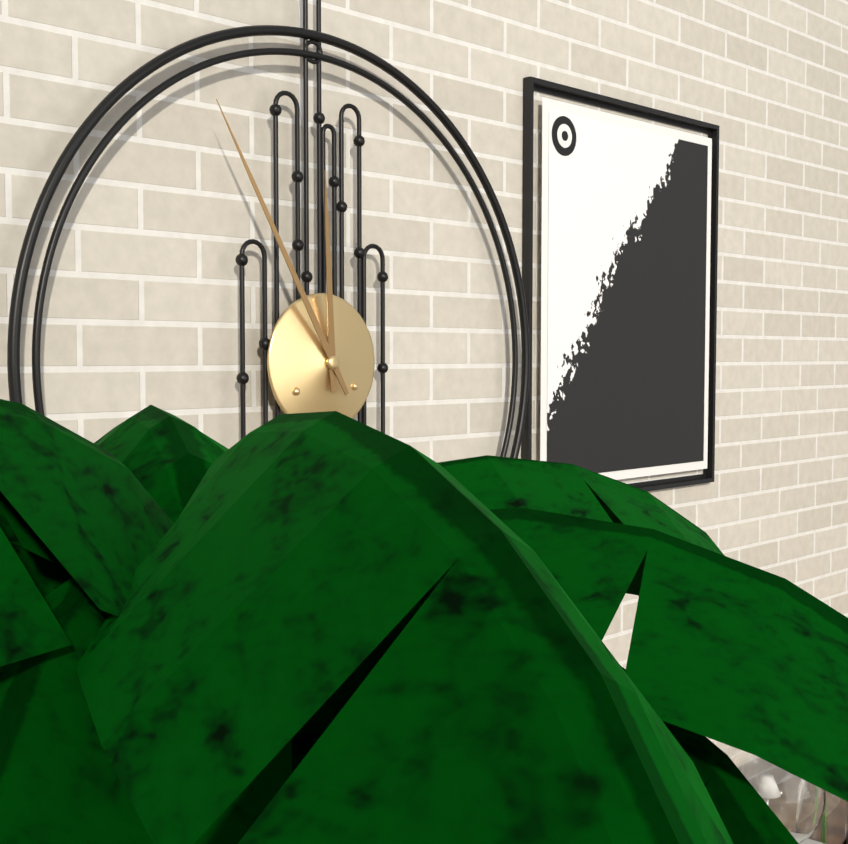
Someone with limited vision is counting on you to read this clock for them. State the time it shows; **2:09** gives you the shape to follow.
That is **11:55**
